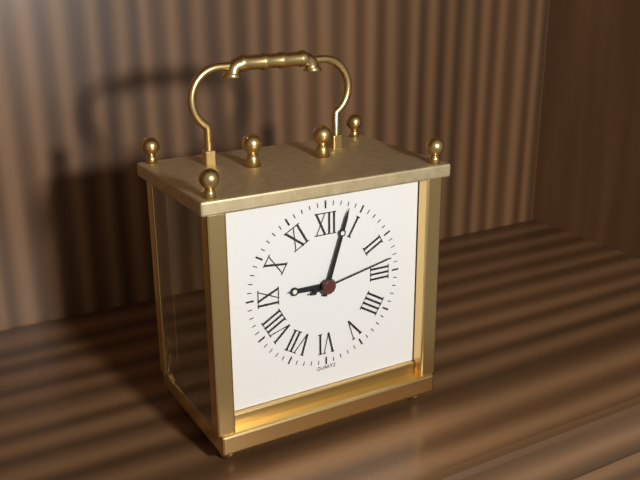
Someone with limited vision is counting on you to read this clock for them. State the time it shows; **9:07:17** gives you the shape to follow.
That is **9:03:13**
